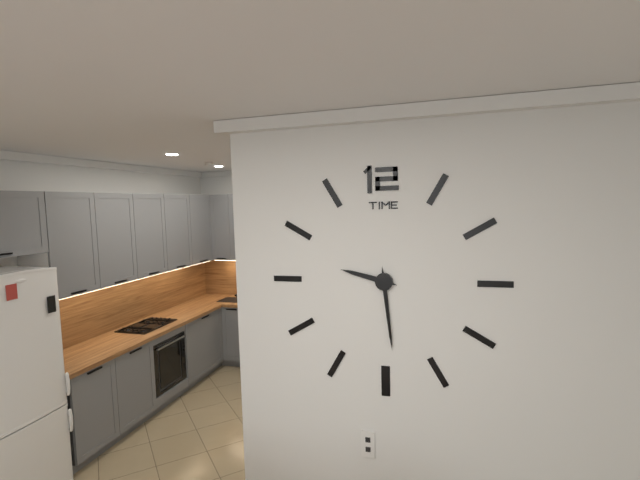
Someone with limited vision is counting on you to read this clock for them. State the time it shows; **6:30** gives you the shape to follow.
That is **9:29**
